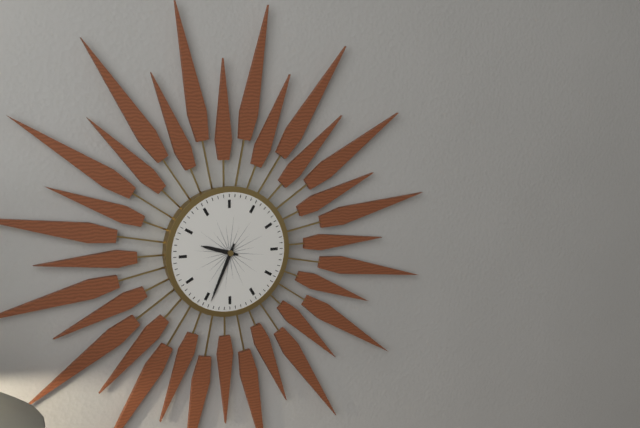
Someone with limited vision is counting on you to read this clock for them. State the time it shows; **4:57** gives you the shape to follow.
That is **9:34**
